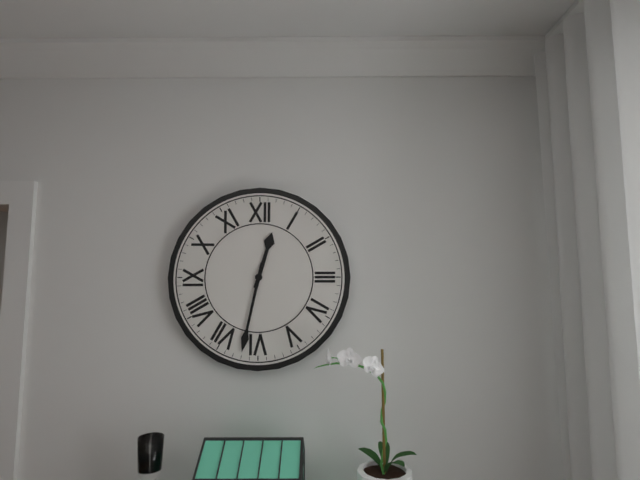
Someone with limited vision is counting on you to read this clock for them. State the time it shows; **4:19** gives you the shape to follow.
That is **12:32**
